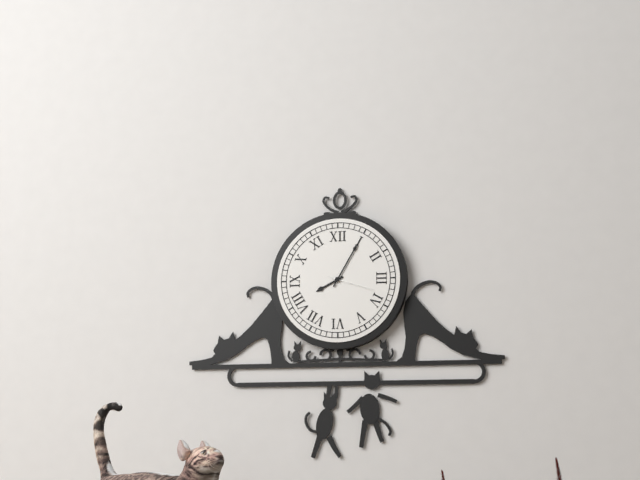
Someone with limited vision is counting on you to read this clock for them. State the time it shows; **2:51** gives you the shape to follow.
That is **8:05**
